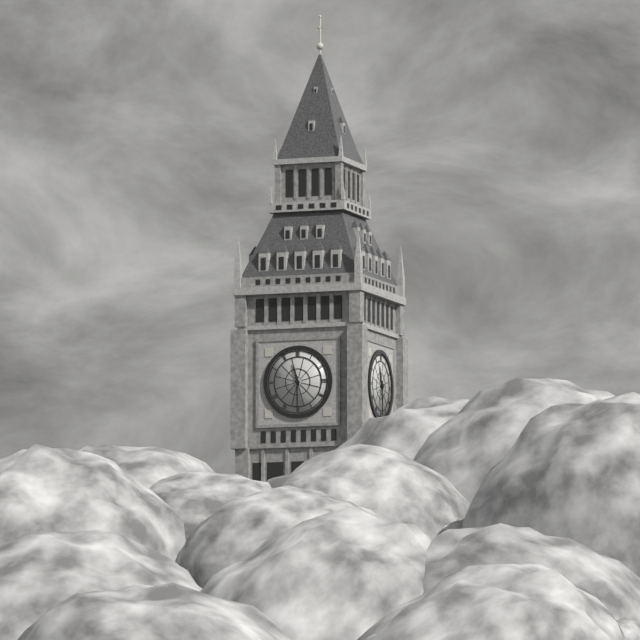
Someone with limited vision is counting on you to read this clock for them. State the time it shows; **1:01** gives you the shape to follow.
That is **11:30**
